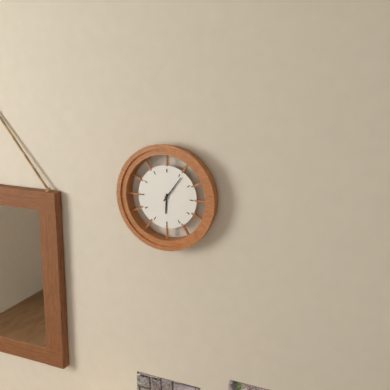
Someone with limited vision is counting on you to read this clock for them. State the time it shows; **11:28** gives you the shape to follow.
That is **6:06**
